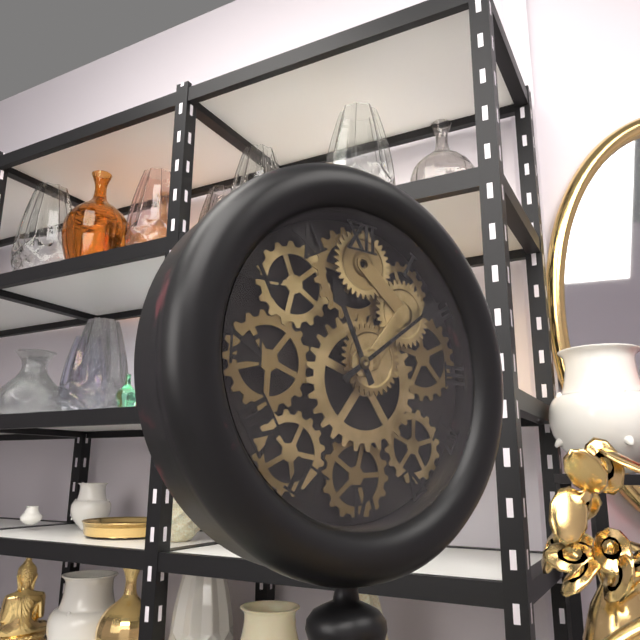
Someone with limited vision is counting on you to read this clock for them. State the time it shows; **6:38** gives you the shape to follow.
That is **11:09**
